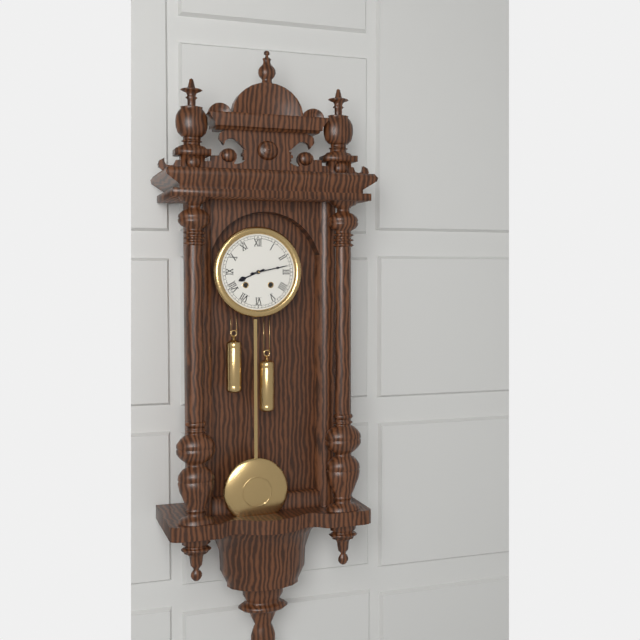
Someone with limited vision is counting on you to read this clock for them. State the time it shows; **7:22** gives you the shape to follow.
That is **8:13**
